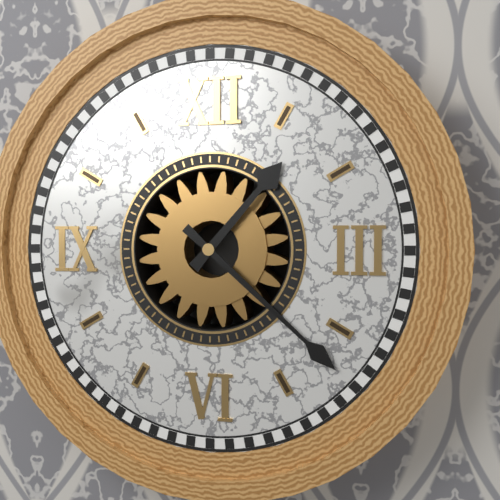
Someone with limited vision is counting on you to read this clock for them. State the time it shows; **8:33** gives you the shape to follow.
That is **1:22**
